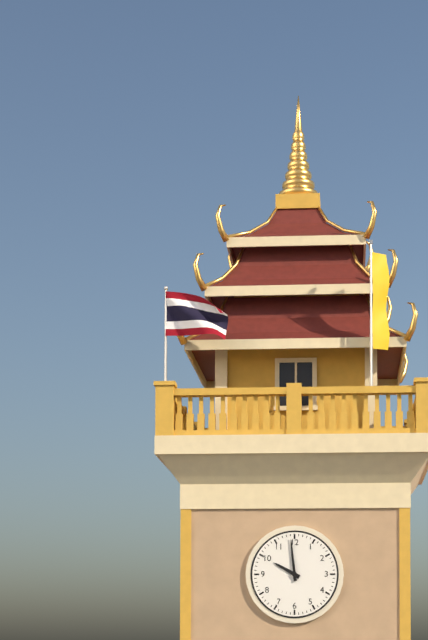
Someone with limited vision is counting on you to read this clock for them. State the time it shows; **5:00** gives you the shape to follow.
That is **9:59**
